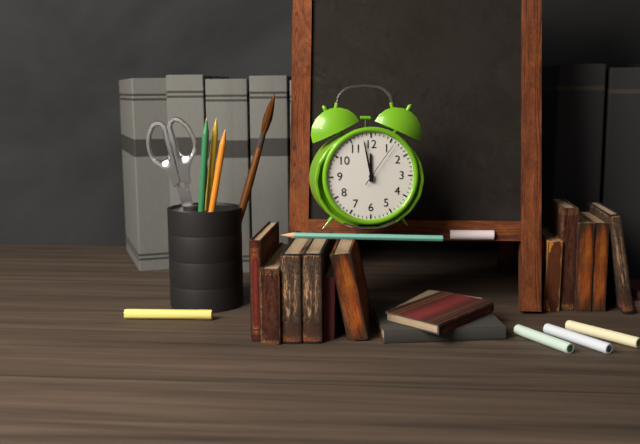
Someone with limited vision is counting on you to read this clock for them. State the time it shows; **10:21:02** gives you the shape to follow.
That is **11:58:06**
